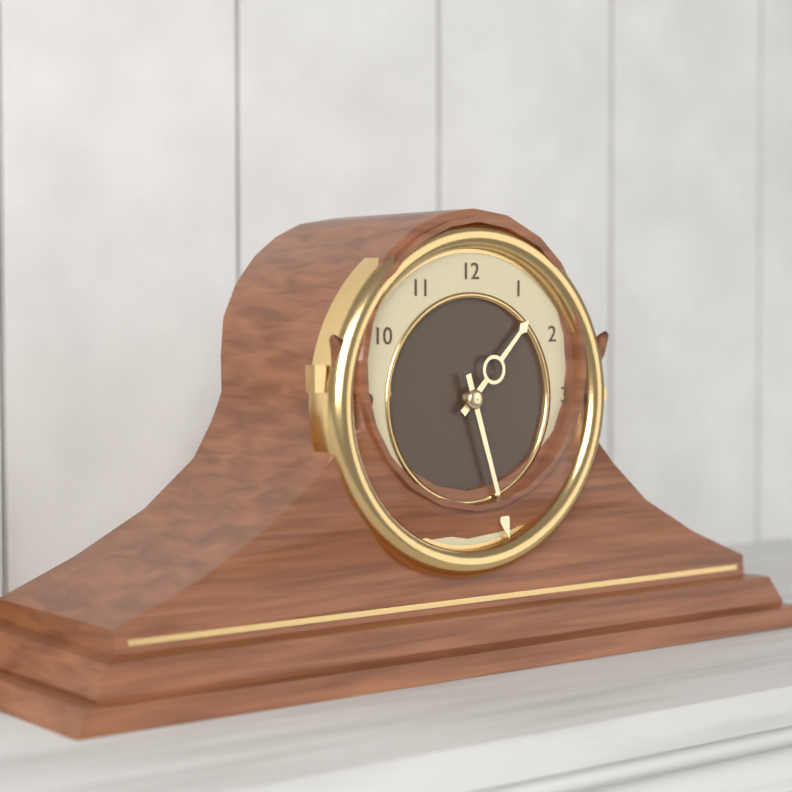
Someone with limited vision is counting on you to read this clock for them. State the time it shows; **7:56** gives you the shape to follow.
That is **1:27**
